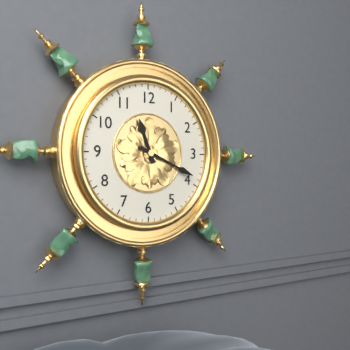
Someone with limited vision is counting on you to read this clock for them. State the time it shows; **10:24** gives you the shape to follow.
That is **11:19**
